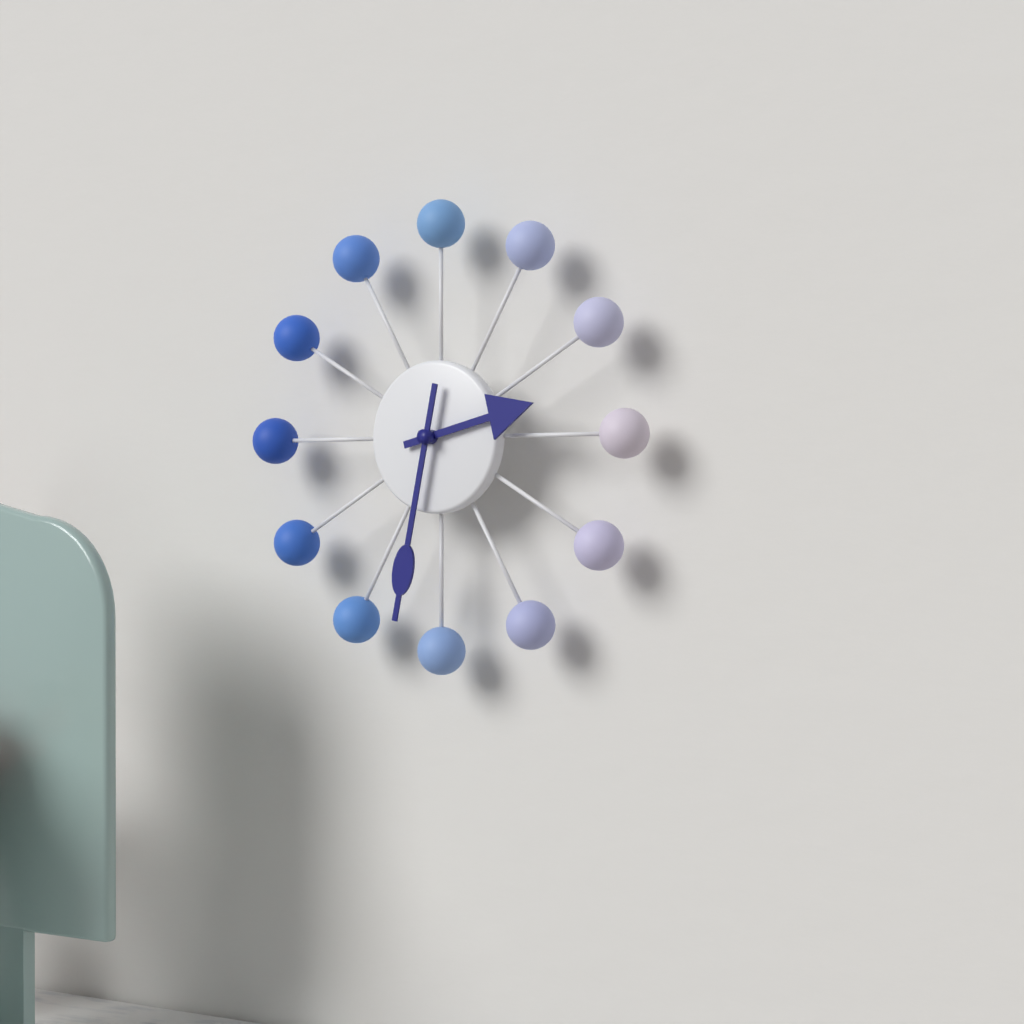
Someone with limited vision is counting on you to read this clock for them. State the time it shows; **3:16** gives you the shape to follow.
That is **2:32**
